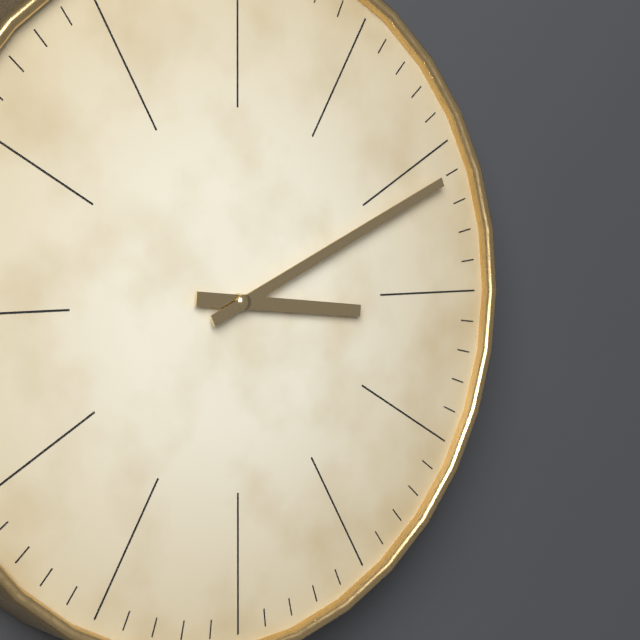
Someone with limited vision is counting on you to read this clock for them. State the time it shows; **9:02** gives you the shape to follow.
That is **3:11**
